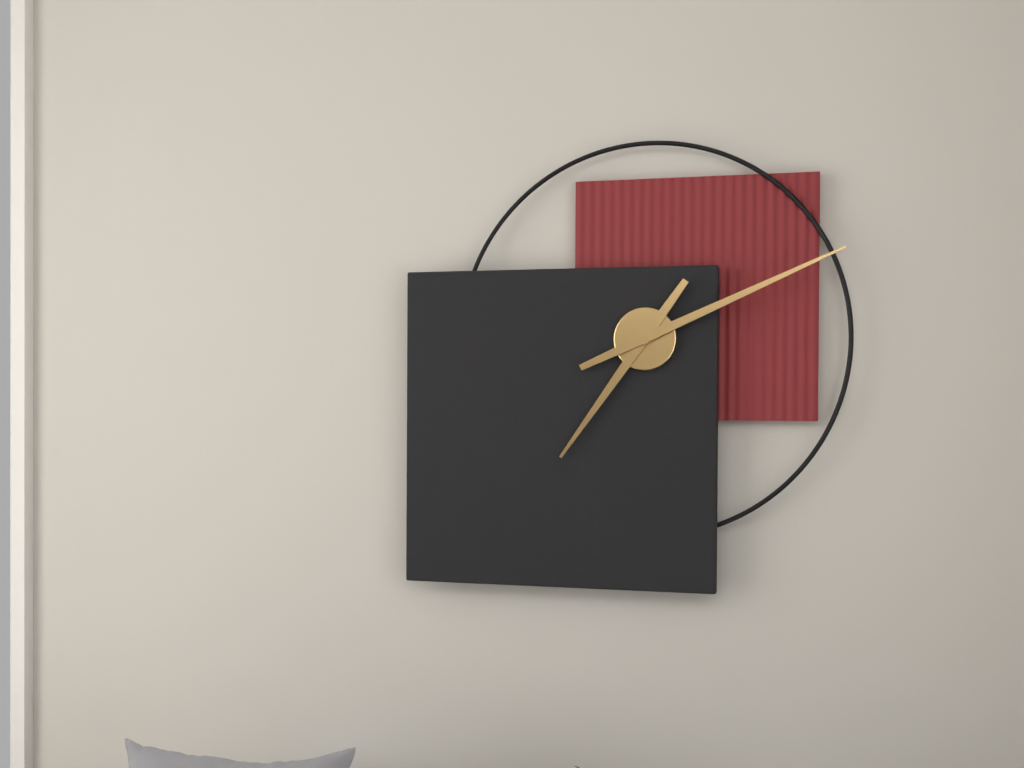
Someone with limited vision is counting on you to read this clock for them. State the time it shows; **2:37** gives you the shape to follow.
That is **7:11**
